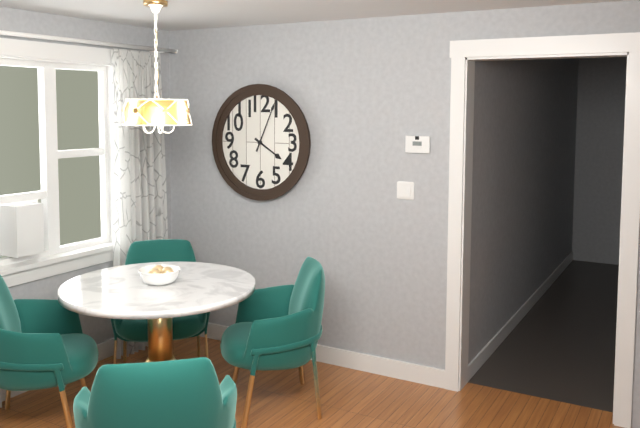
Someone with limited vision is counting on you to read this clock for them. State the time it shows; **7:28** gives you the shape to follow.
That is **4:04**
